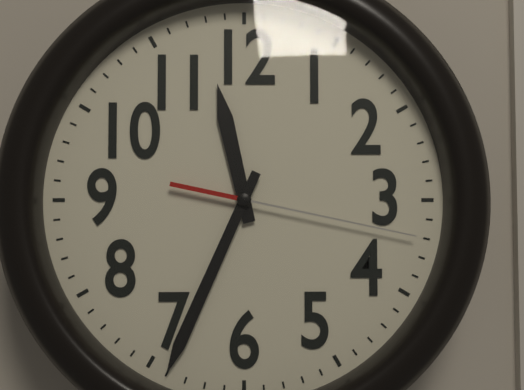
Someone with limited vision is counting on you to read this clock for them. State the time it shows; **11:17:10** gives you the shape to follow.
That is **11:34:17**
